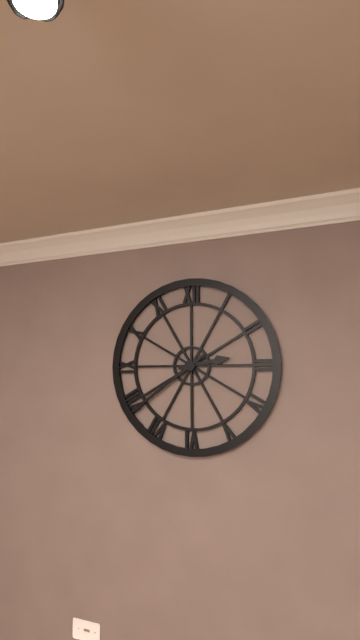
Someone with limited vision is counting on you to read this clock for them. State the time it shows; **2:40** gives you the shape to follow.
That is **2:39**
